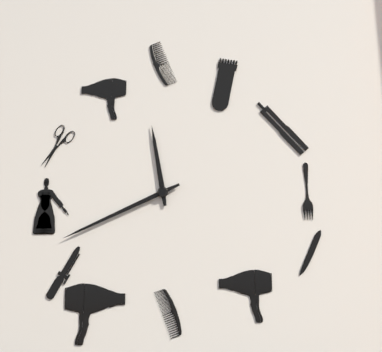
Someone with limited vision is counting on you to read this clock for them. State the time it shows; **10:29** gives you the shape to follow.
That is **11:41**
